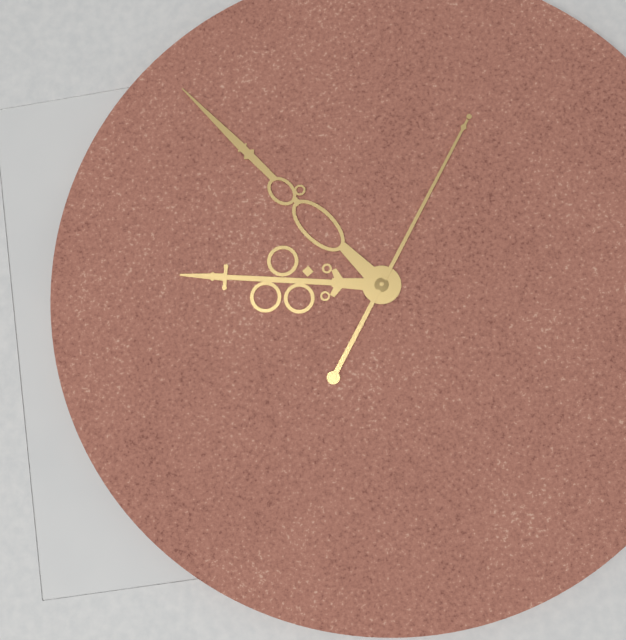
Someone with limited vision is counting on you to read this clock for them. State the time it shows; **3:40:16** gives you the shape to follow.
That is **3:24:36**
